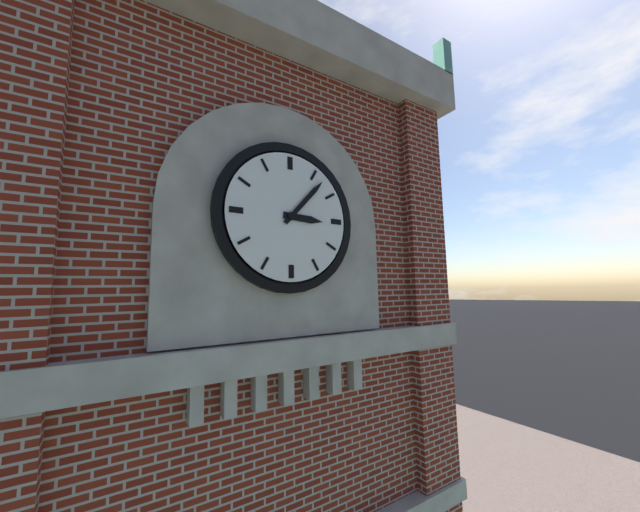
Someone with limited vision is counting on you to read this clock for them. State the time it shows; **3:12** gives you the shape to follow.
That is **3:07**
